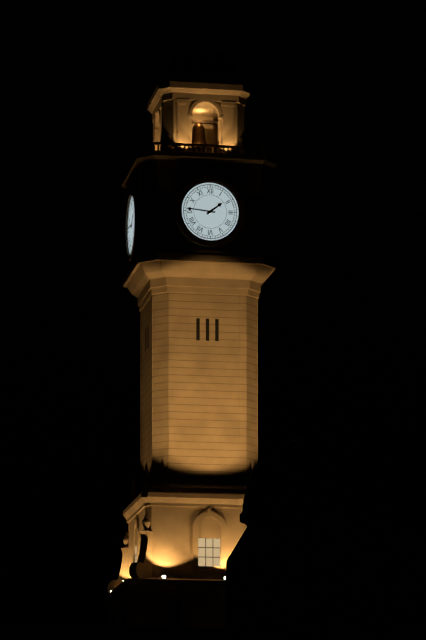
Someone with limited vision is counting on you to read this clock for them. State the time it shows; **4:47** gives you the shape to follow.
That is **1:46**
